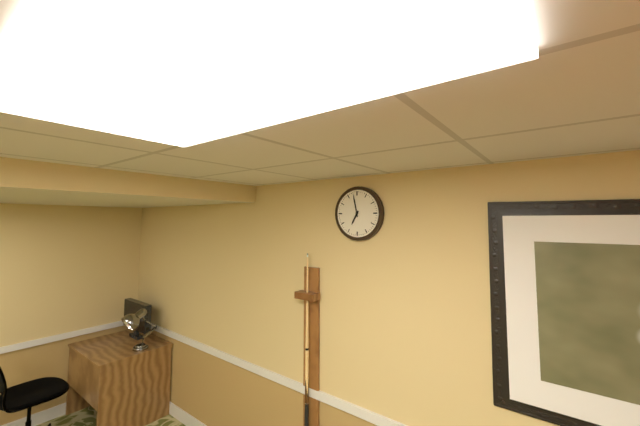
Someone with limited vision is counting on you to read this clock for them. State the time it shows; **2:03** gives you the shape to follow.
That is **6:58**
